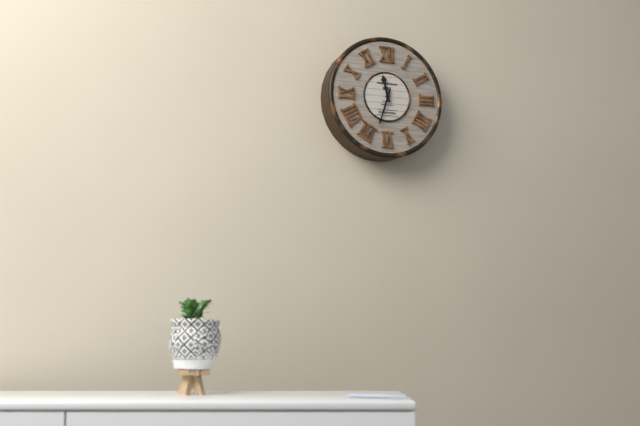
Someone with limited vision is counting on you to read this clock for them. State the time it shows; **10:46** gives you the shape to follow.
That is **11:33**
